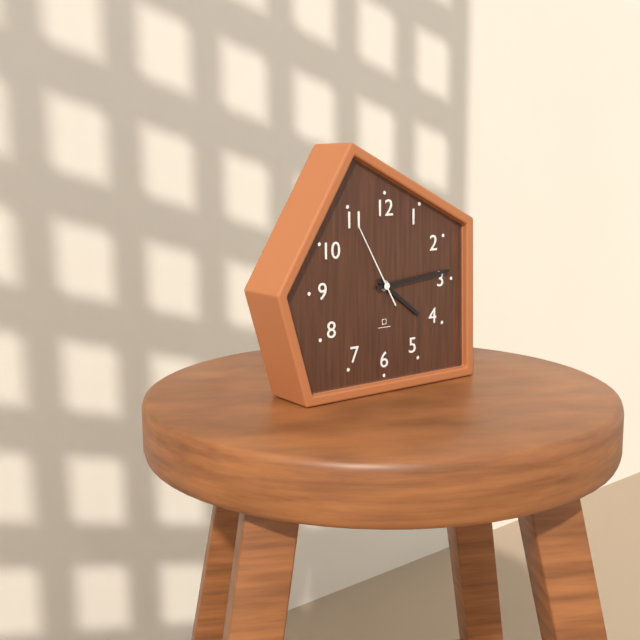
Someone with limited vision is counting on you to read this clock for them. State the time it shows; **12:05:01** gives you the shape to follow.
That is **4:14:55**
